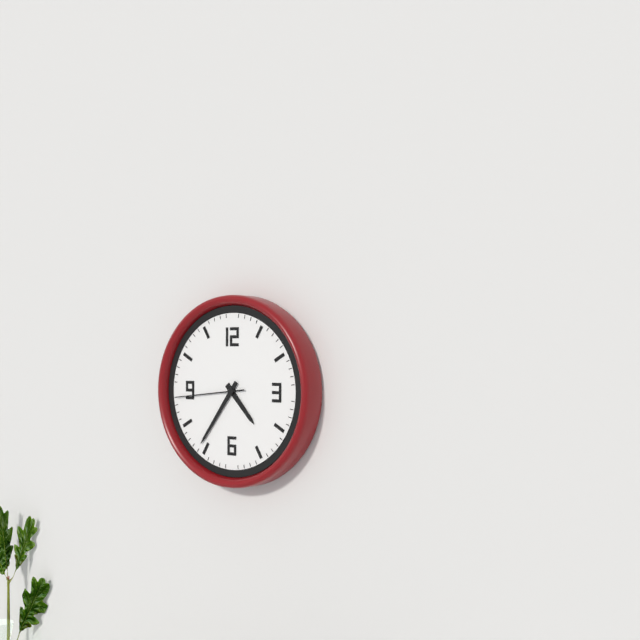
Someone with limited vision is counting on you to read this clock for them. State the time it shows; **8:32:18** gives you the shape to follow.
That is **4:36:44**
